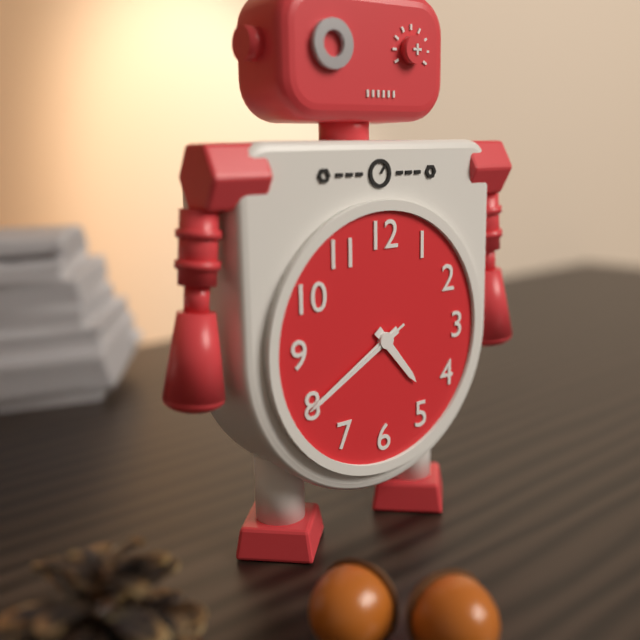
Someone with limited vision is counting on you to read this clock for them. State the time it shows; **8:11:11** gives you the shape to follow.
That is **4:40:40**
